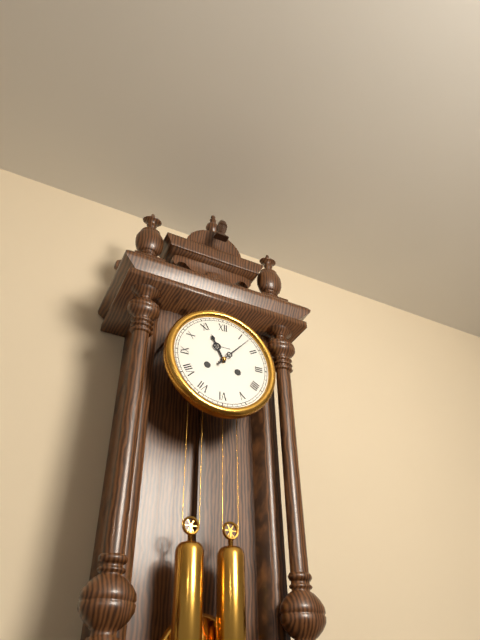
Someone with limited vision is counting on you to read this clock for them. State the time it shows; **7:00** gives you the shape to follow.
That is **11:07**
